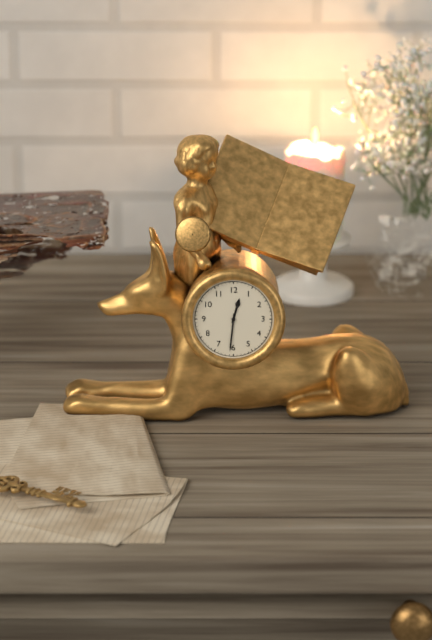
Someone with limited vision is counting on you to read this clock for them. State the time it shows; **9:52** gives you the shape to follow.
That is **12:31**
